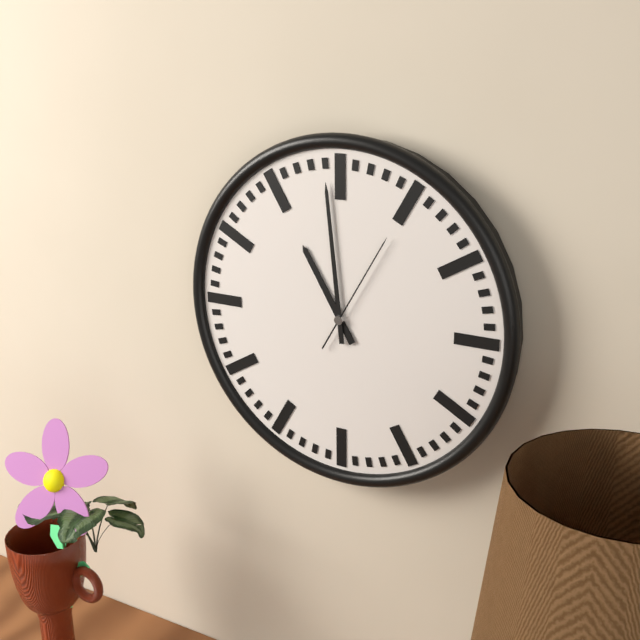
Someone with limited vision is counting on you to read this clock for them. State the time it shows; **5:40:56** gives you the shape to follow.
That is **10:59:05**
